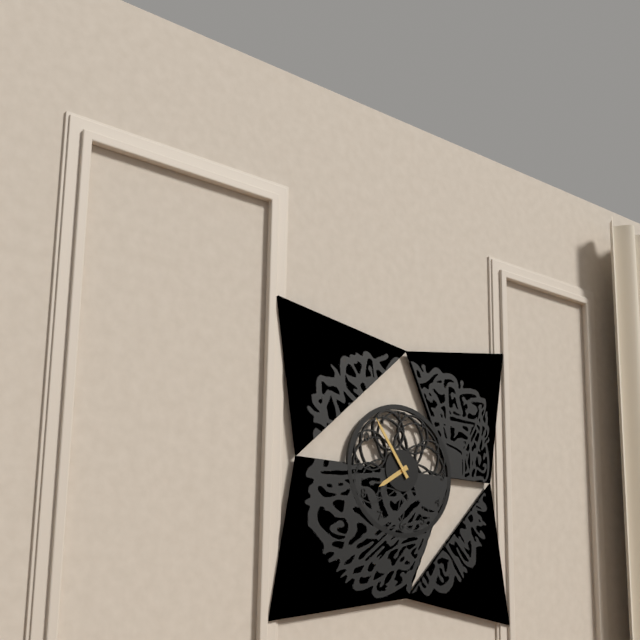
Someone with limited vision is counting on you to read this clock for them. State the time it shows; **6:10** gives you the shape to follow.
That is **7:54**
